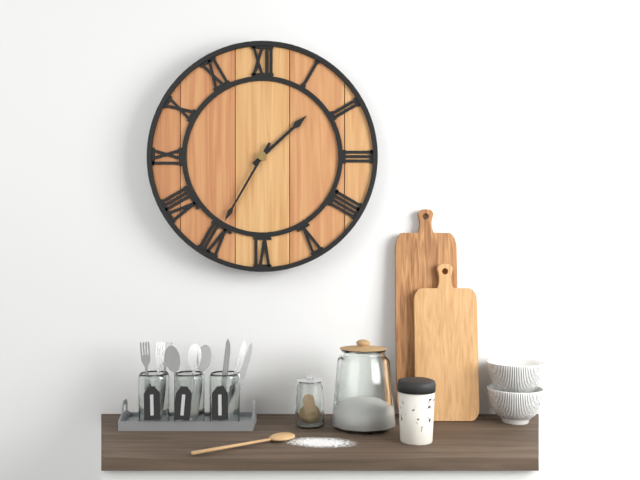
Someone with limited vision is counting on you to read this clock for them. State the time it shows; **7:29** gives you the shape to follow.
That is **1:35**
